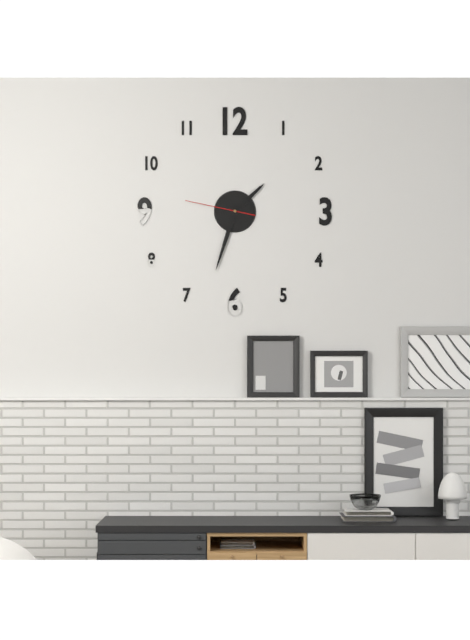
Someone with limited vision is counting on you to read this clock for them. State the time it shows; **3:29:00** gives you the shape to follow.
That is **1:33:47**
